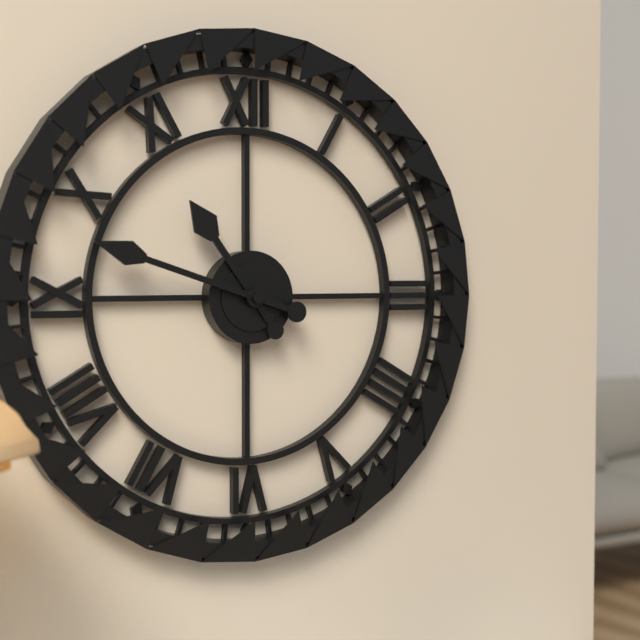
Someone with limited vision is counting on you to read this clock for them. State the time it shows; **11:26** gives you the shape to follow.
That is **10:48**
